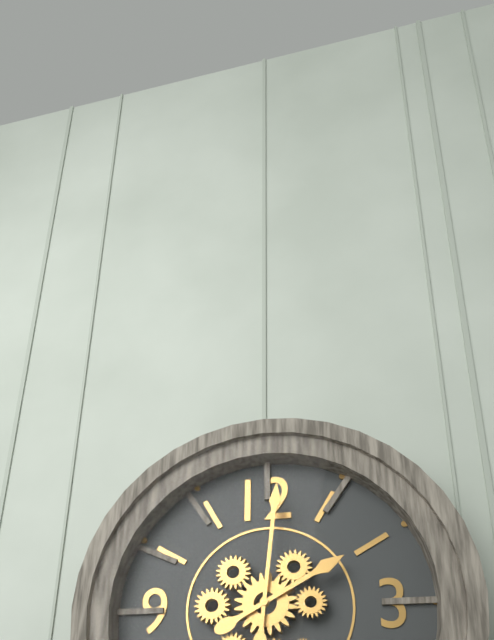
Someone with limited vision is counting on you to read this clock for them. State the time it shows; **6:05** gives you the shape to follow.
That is **2:01**
